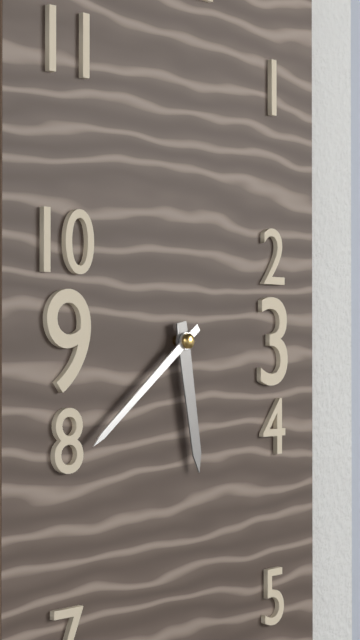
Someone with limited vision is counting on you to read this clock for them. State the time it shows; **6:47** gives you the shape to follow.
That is **5:39**
